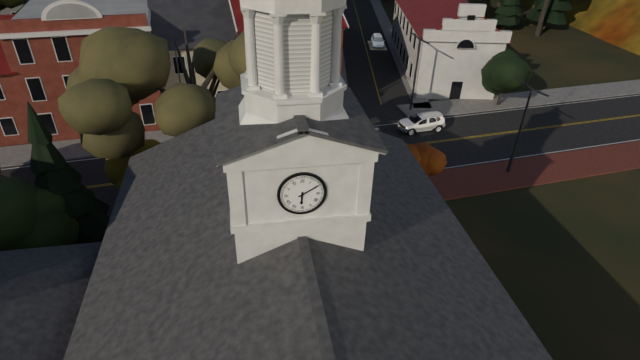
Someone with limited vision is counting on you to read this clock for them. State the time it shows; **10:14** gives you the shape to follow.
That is **6:10**
